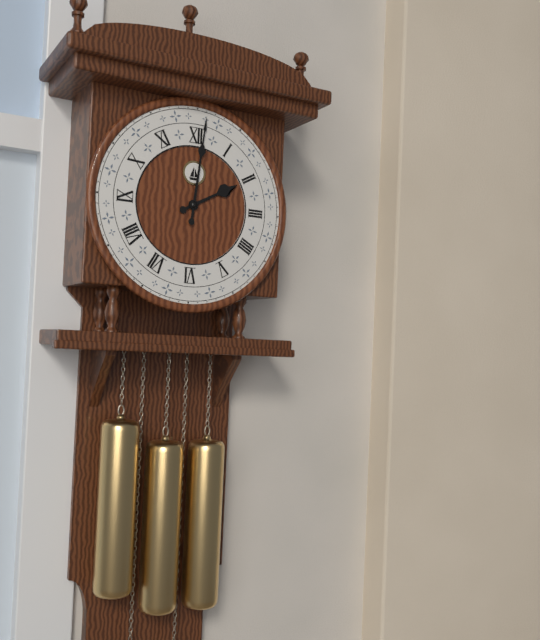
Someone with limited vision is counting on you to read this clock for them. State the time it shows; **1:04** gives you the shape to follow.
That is **2:01**
